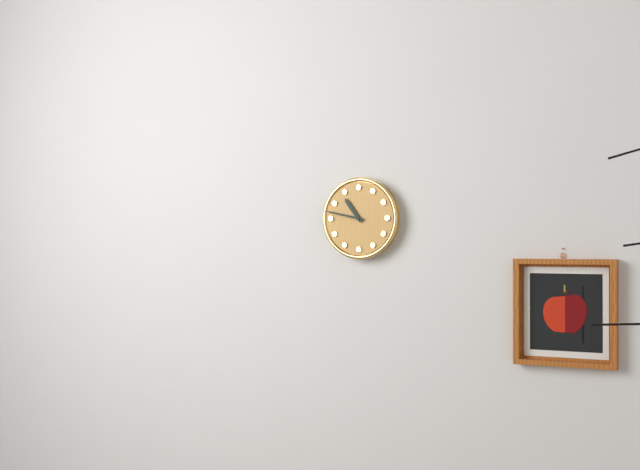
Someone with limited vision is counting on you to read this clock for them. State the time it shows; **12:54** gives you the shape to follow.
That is **10:47**
